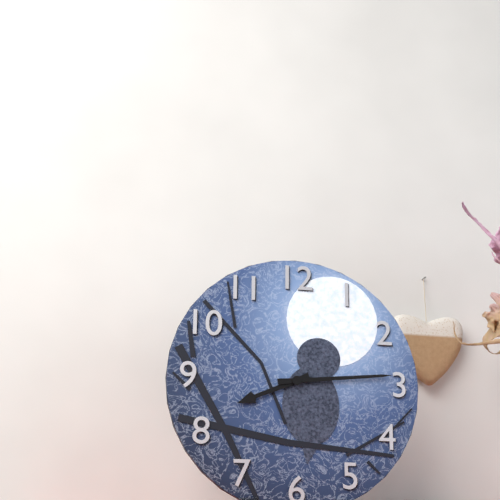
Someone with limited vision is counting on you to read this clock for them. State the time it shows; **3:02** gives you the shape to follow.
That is **8:14**
